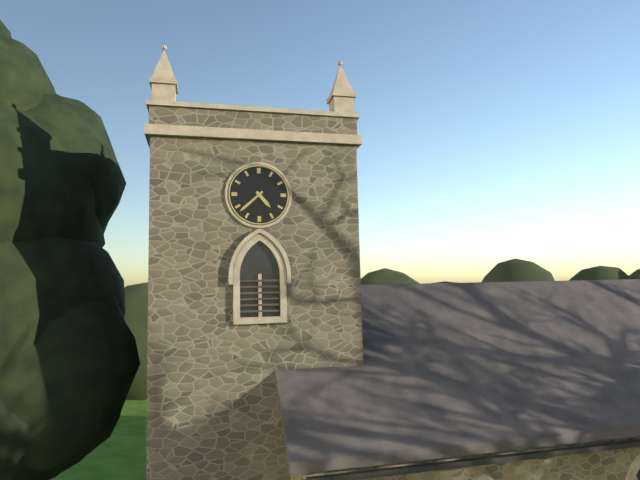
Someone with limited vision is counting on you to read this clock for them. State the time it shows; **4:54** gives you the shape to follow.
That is **4:38**
